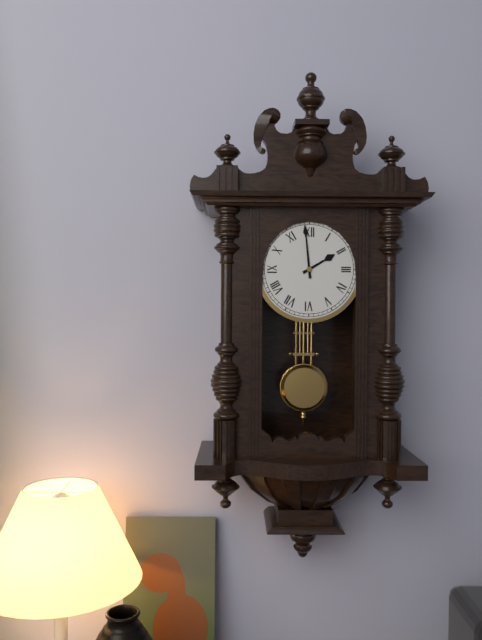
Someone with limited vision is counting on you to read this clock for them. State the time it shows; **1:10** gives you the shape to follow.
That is **1:59**
